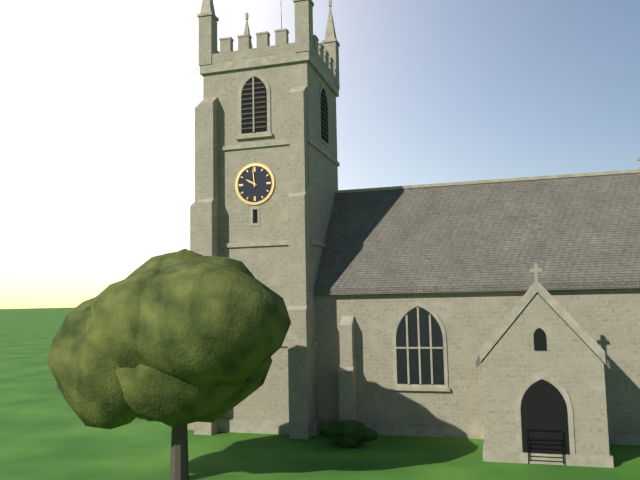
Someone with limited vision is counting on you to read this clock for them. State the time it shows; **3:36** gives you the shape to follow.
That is **9:59**
